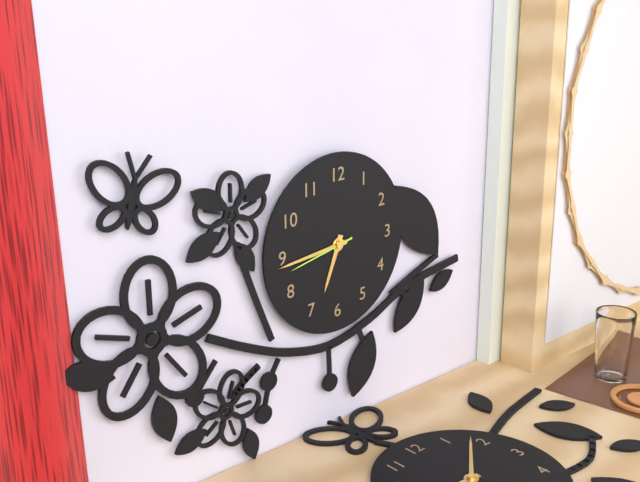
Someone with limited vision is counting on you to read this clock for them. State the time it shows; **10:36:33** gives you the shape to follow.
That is **6:44:43**
